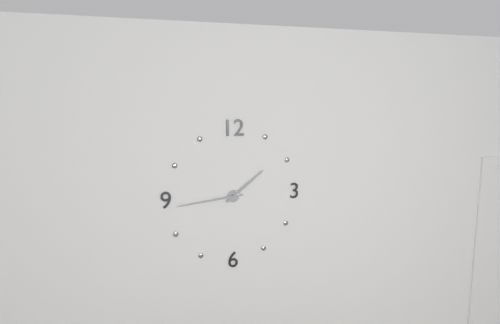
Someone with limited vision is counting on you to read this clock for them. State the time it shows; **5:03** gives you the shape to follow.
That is **1:44**
